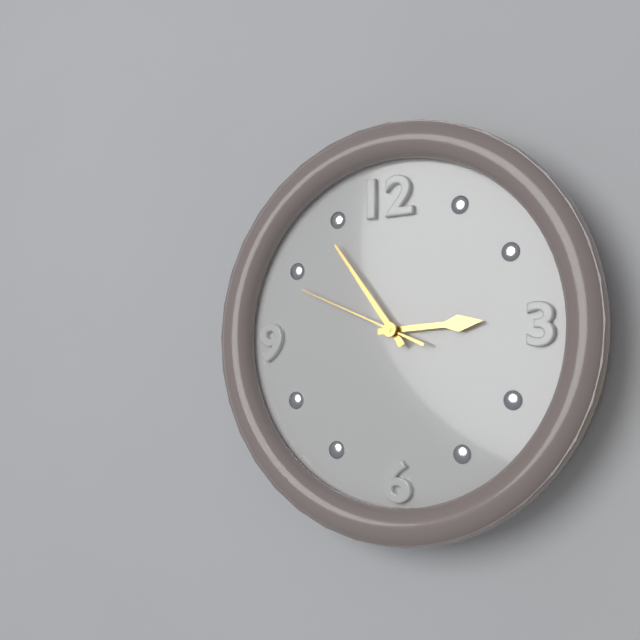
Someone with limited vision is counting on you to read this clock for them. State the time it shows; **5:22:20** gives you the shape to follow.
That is **2:54:49**
